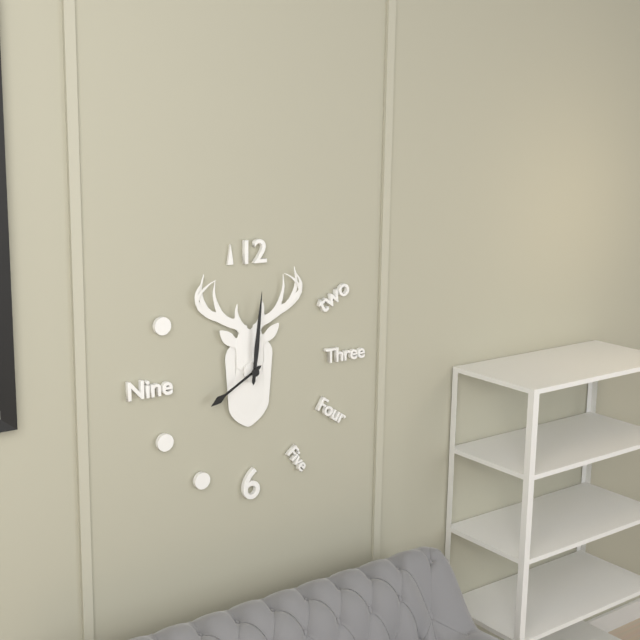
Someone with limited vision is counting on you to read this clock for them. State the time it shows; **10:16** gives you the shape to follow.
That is **8:01**
